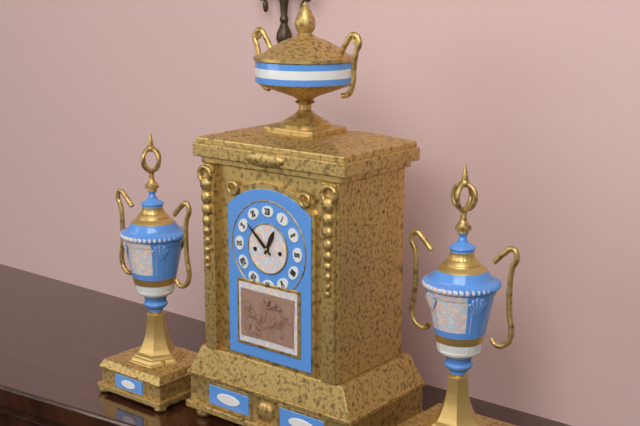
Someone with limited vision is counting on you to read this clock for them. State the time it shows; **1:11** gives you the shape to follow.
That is **12:52**
